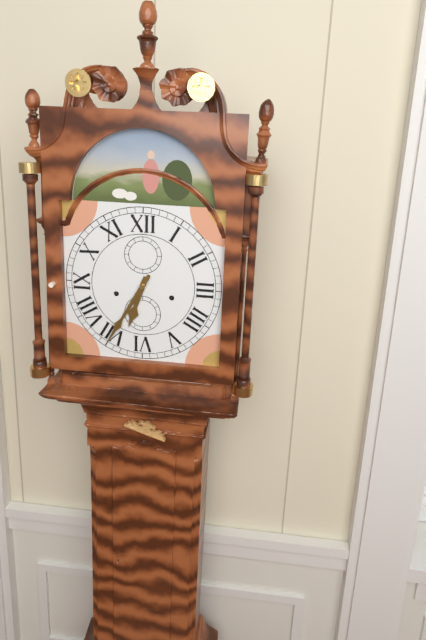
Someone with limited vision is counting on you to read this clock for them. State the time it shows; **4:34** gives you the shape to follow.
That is **6:35**
